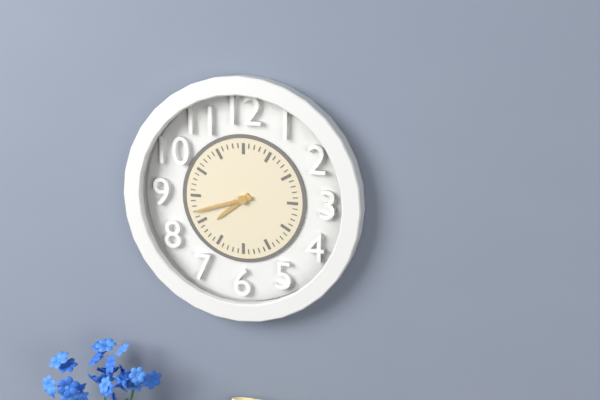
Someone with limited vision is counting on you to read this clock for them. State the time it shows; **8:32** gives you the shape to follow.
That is **7:42**
